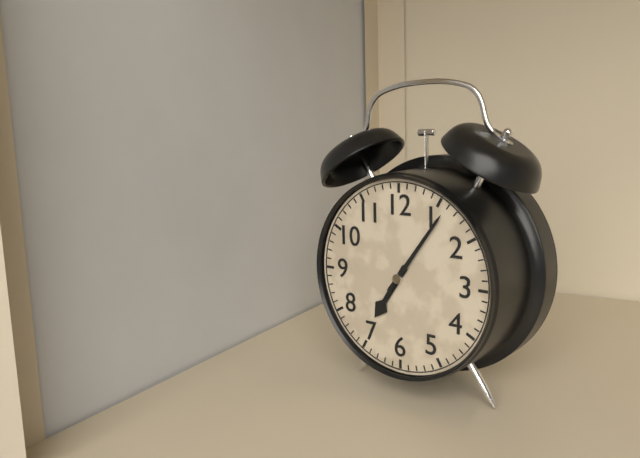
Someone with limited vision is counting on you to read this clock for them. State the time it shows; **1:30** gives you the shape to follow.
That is **7:06**
